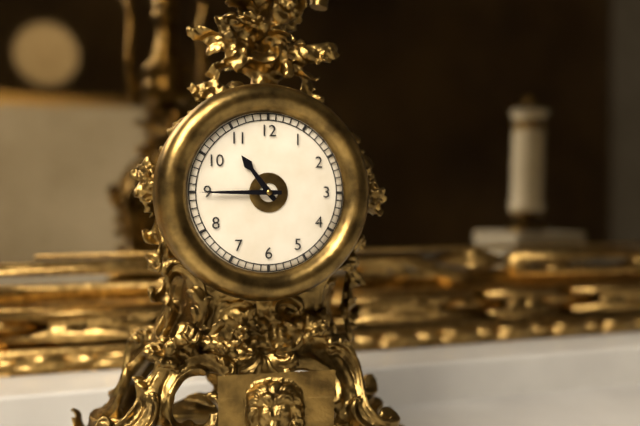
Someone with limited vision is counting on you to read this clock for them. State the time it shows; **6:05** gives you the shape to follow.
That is **10:45**
